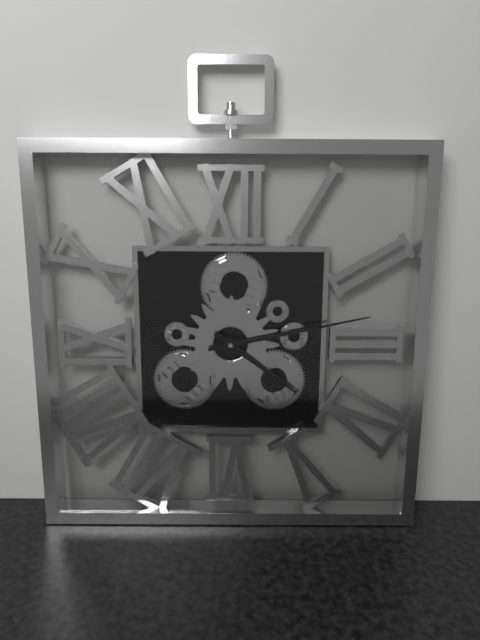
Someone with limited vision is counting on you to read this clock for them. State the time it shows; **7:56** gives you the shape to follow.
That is **4:13**
